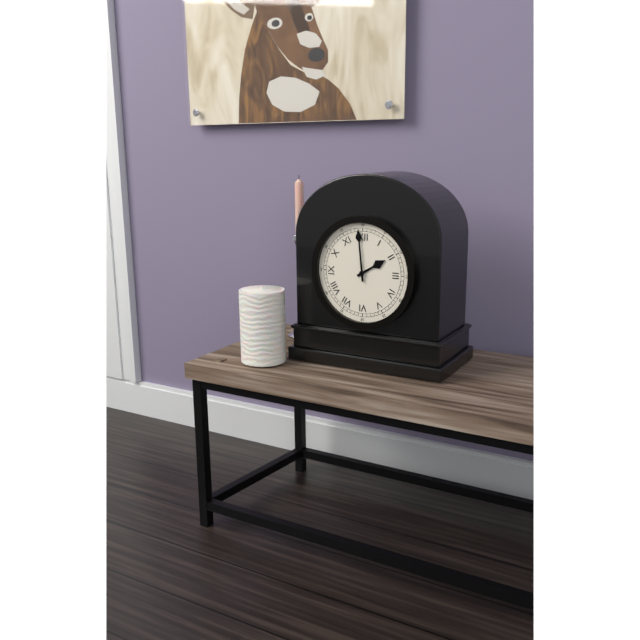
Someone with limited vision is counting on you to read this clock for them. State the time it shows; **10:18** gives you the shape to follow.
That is **1:59**
